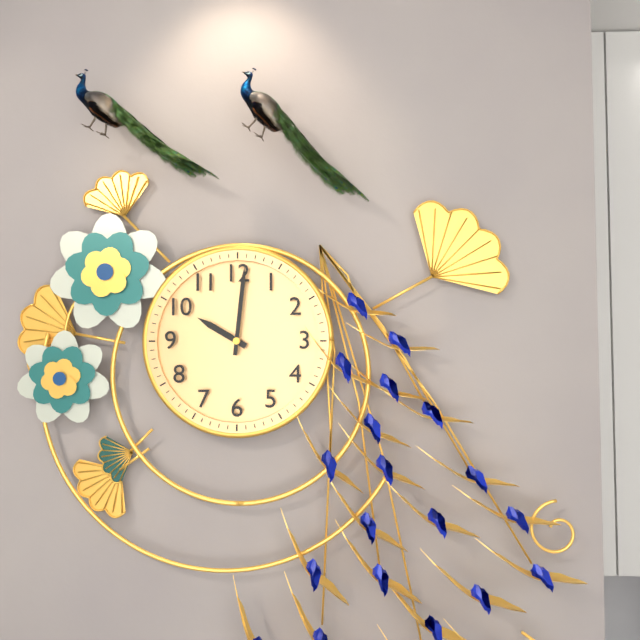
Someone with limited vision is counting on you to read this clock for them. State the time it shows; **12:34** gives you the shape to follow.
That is **10:01**
